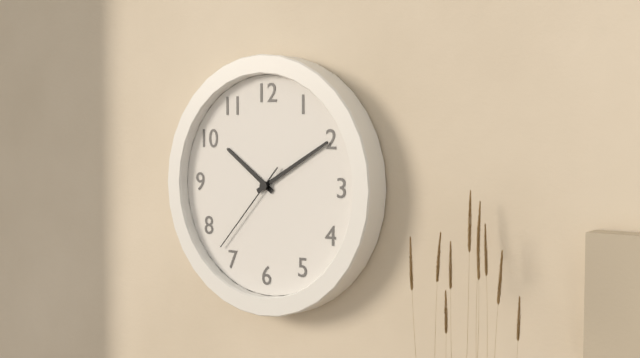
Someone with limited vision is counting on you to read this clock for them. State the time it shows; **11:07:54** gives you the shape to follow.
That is **10:10:37**
